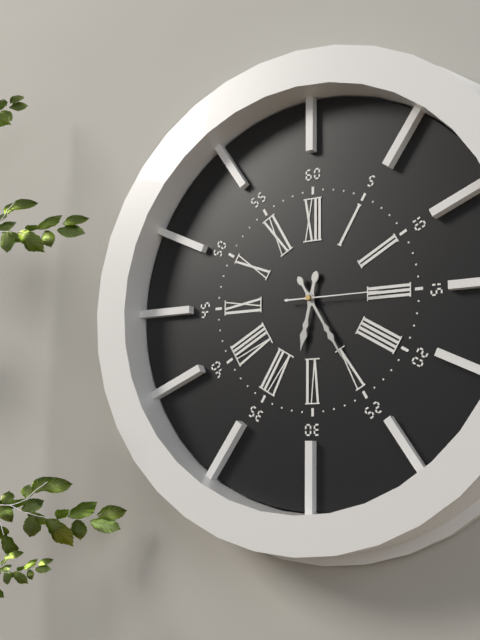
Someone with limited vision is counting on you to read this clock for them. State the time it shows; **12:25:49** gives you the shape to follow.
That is **6:25:15**
